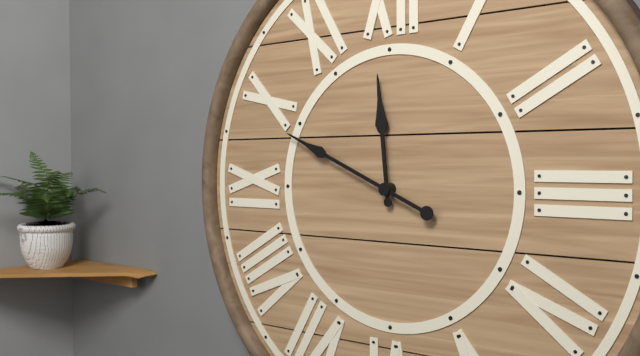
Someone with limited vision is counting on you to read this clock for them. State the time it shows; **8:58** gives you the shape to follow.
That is **11:49**
